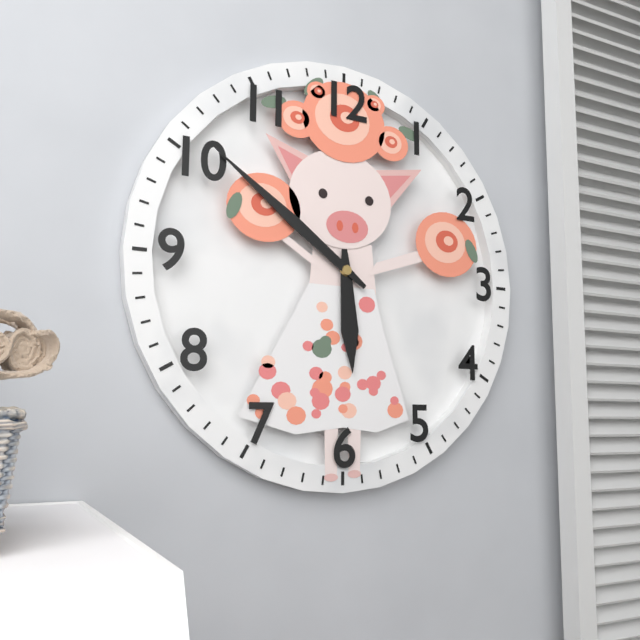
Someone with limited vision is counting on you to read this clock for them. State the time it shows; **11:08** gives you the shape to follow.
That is **5:51**
